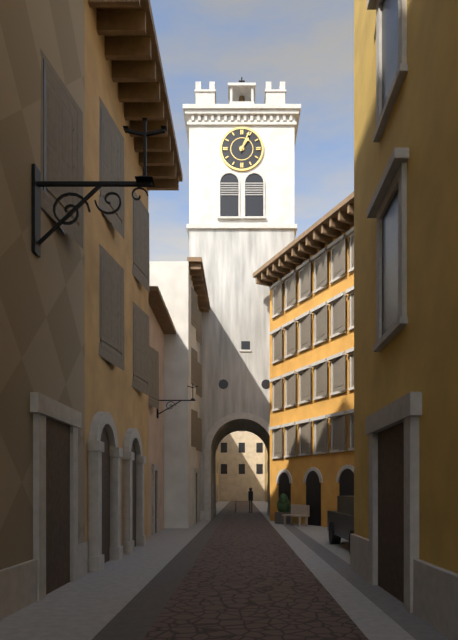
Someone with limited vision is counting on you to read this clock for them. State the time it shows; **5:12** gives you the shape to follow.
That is **1:04**
